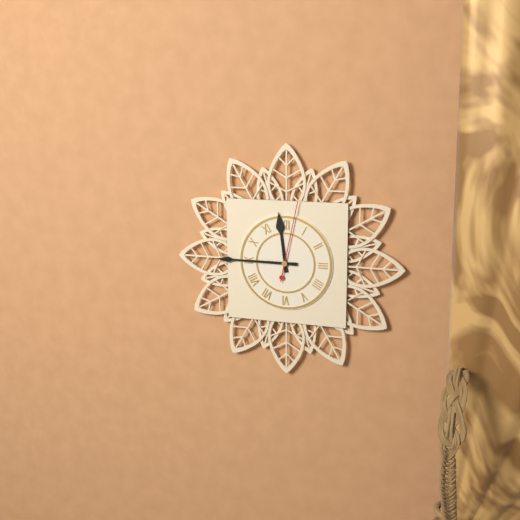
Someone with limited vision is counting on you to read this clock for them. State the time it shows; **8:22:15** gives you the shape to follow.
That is **11:45:02**
